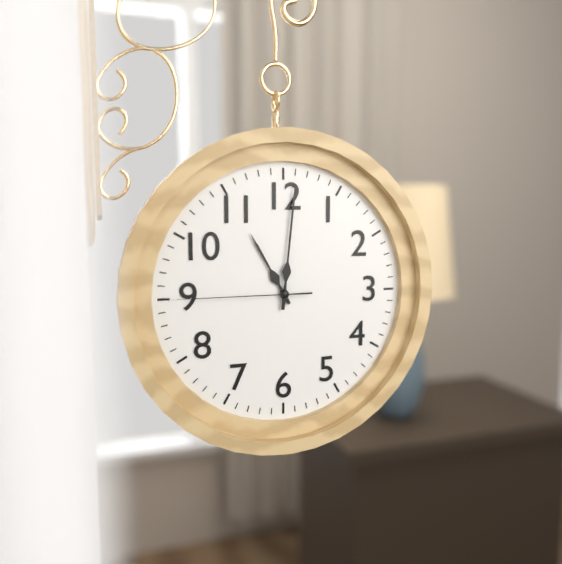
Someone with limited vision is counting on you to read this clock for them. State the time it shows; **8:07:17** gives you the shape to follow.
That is **11:01:45**
